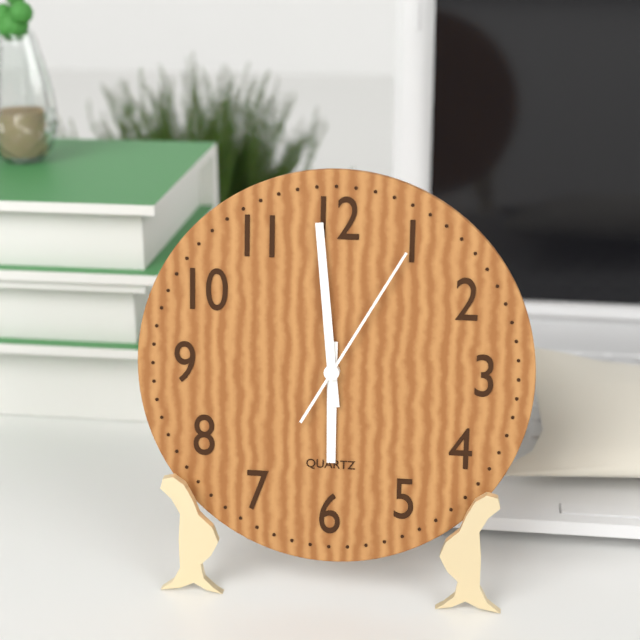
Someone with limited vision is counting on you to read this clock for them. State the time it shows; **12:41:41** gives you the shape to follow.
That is **5:59:05**
